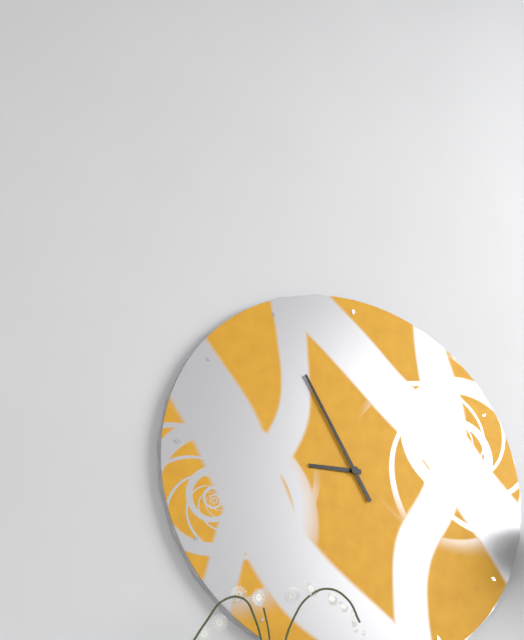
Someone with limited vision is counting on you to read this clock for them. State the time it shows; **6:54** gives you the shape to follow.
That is **8:55**
